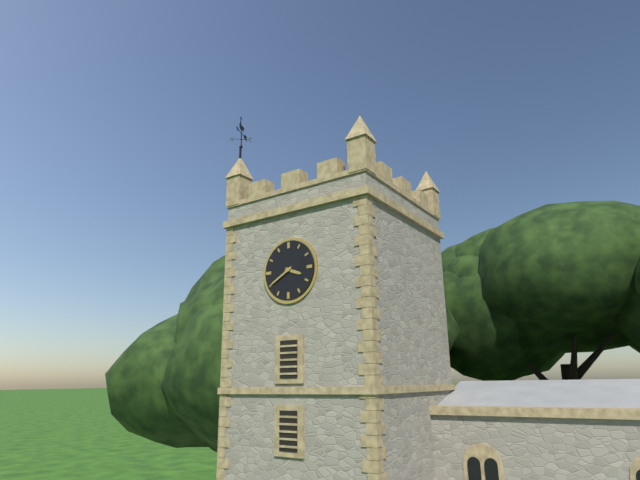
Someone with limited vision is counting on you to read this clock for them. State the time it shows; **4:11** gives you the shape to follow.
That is **3:40**
